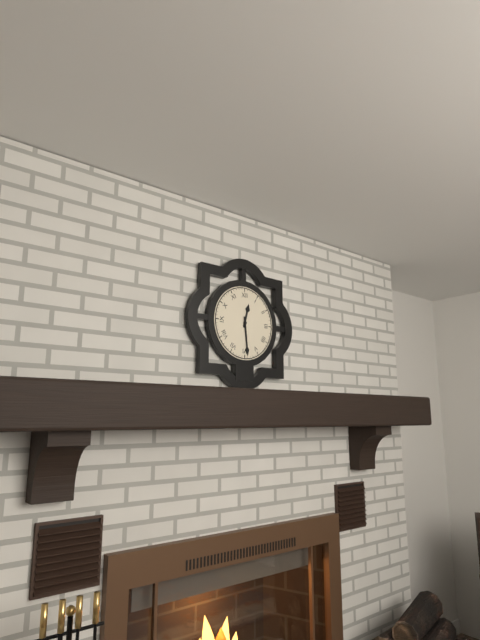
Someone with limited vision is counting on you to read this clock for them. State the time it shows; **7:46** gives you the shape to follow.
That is **12:29**
